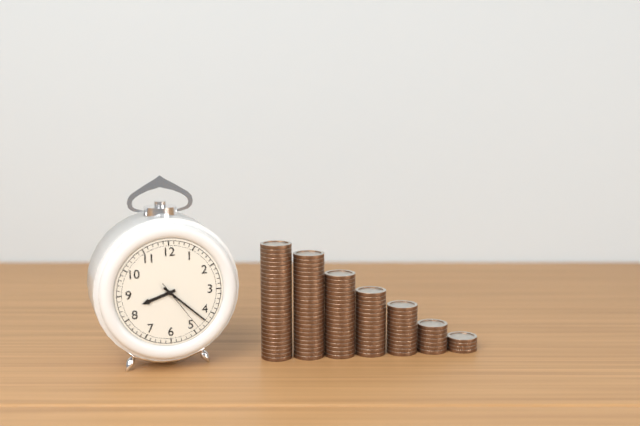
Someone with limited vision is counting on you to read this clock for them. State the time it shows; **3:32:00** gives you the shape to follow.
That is **8:22:24**
